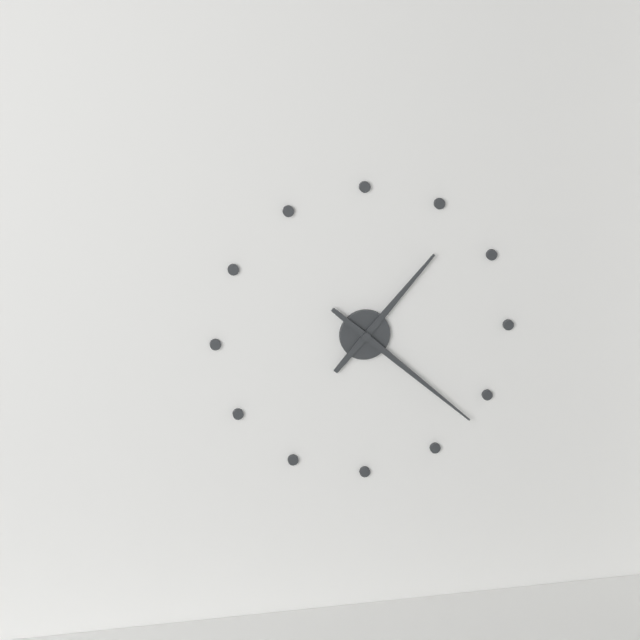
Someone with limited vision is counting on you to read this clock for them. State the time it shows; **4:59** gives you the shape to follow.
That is **1:22**
